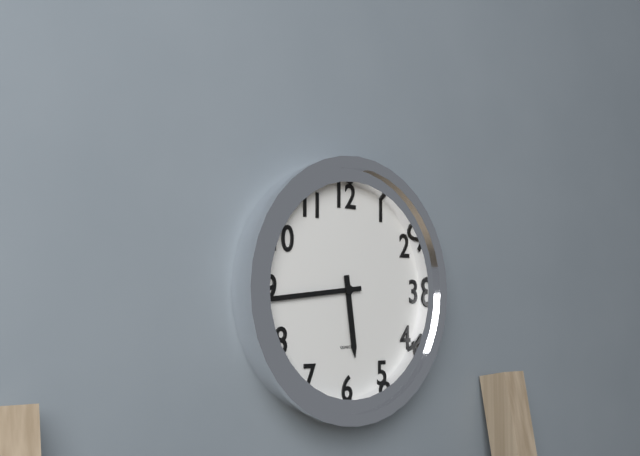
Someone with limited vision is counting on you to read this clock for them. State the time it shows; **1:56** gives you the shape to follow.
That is **5:44**
